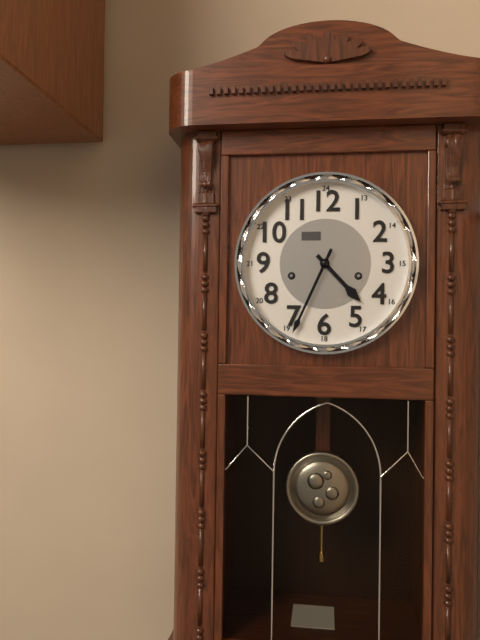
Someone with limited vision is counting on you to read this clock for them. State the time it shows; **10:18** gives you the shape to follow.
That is **4:34**
